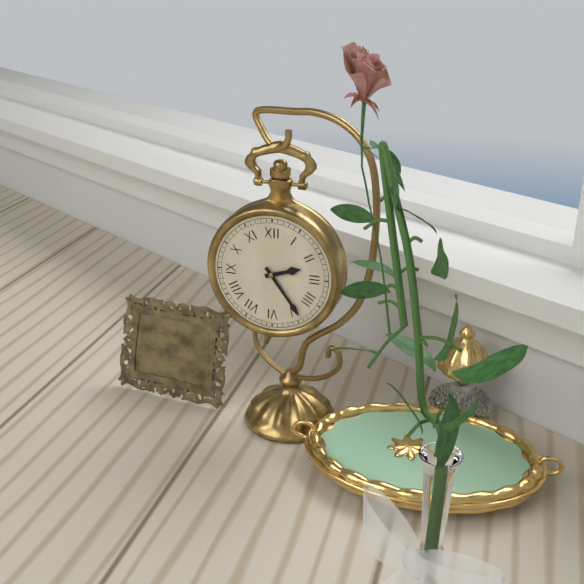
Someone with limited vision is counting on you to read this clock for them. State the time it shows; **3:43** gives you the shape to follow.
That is **2:24**
